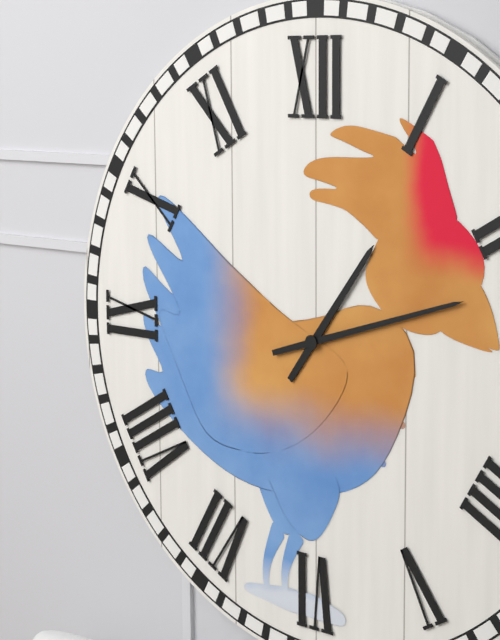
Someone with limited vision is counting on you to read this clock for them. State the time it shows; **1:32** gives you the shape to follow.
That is **1:12**
